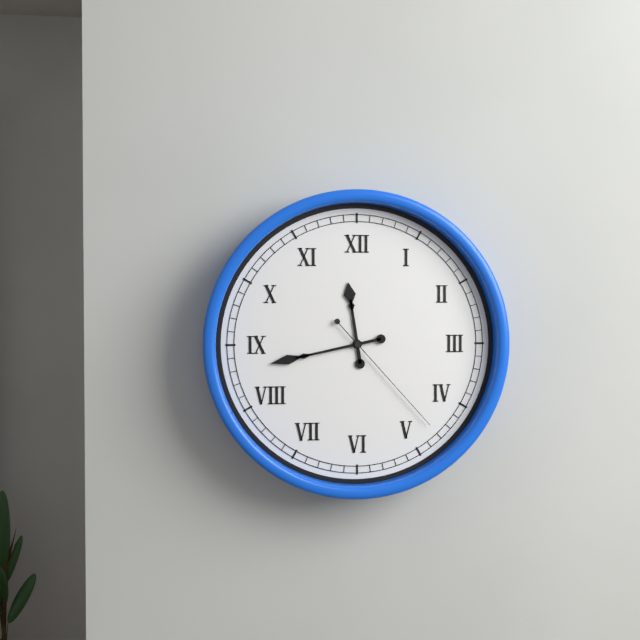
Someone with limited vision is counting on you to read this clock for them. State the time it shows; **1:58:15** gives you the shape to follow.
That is **11:43:23**
